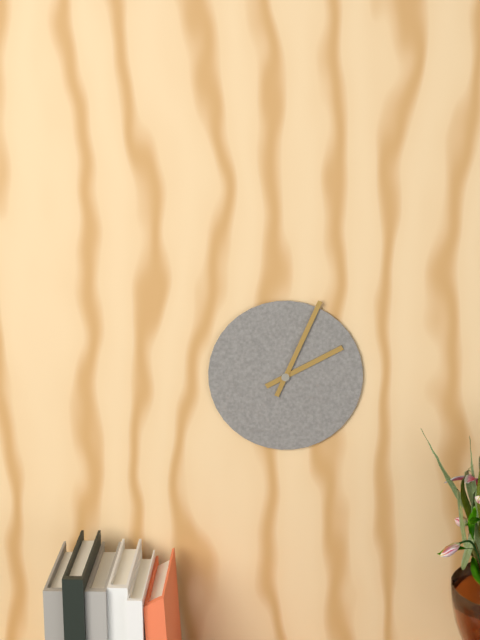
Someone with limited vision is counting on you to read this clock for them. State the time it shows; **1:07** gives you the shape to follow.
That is **2:04**
